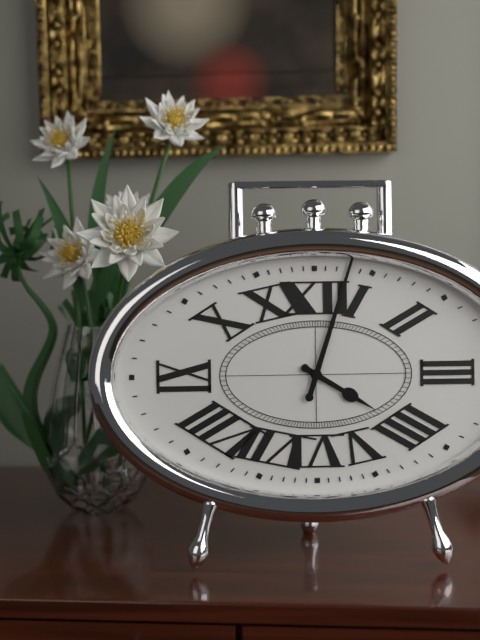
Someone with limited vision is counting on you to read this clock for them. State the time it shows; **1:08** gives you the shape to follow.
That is **4:03**
